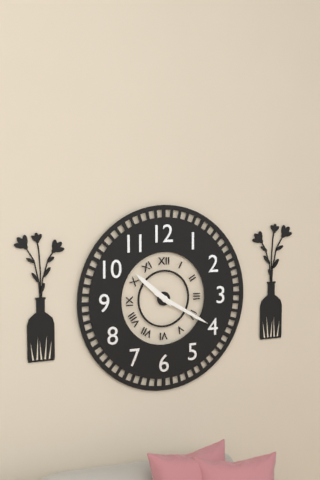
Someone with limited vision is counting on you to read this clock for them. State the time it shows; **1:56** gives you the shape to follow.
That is **10:20**
